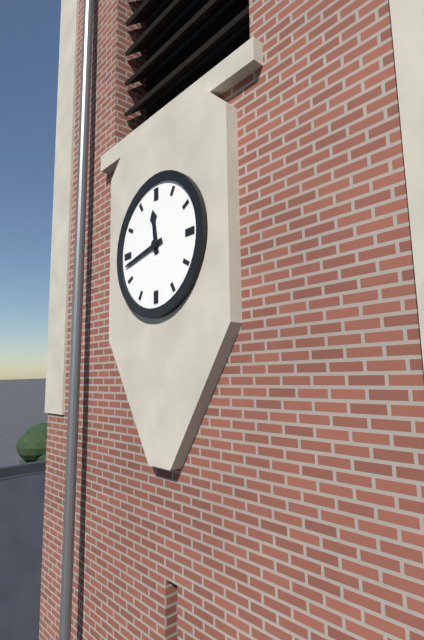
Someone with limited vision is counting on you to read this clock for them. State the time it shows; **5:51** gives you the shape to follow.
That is **11:43**
